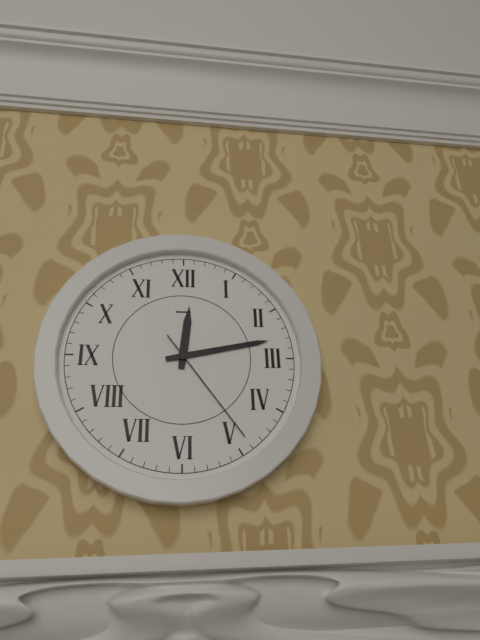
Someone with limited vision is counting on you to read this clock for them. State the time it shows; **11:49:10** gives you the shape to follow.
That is **12:13:24**
